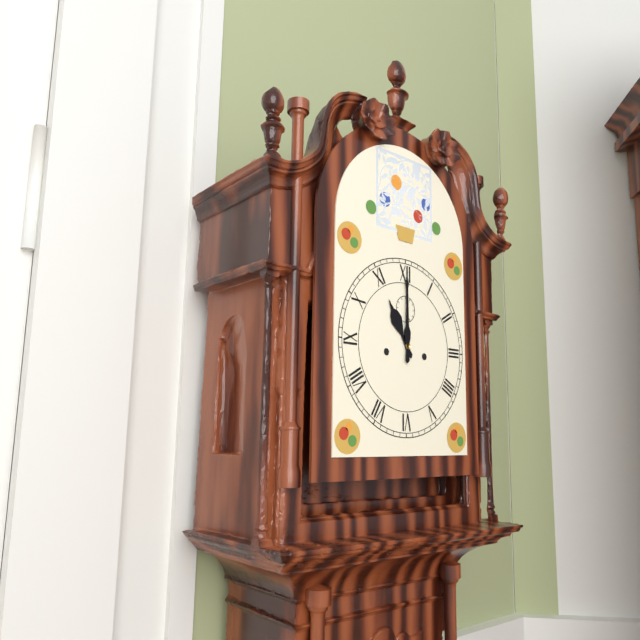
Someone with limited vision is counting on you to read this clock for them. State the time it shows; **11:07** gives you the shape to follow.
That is **11:00**
